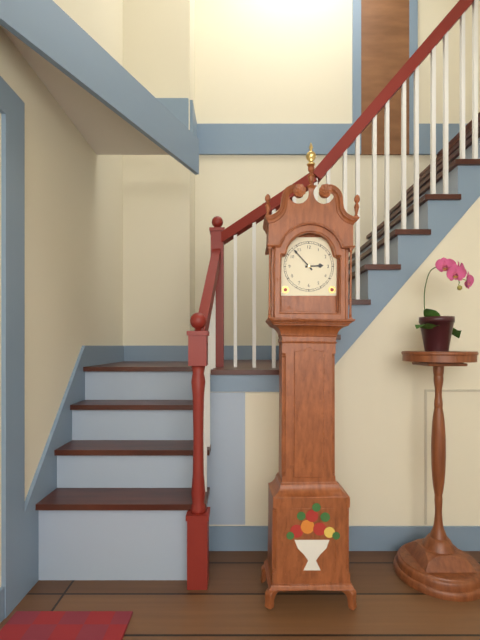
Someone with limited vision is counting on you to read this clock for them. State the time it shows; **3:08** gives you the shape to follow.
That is **2:53**
